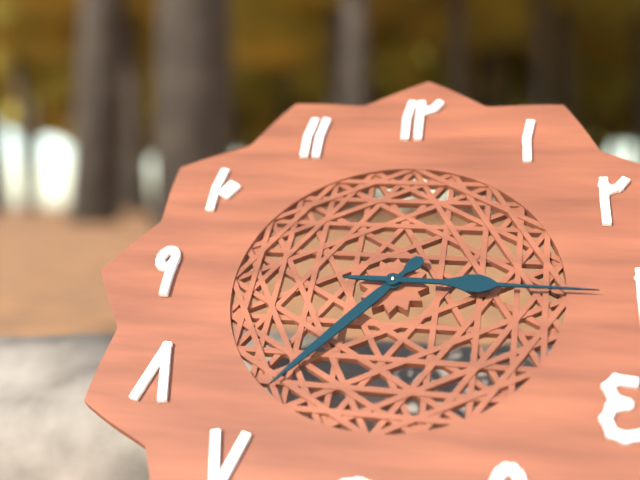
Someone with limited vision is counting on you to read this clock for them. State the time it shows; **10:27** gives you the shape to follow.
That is **7:15**
